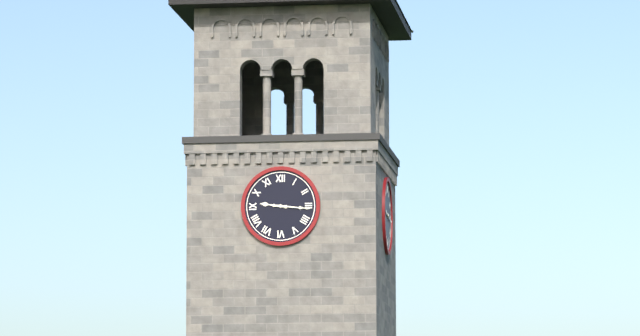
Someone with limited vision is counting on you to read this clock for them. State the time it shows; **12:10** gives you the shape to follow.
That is **9:16**
